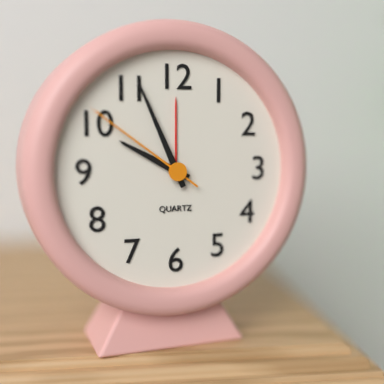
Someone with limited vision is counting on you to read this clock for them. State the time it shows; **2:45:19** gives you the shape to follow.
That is **9:56:51**
